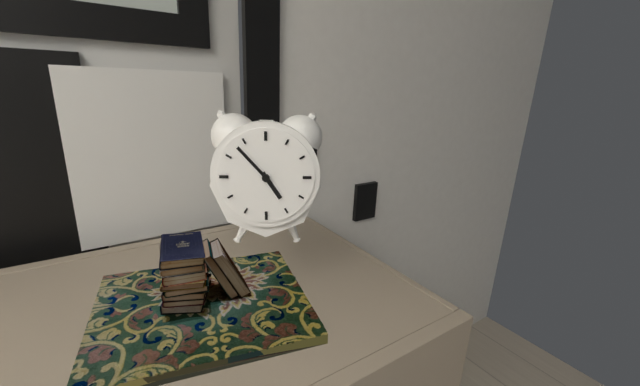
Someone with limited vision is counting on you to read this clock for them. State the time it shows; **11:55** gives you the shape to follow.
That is **4:53**
